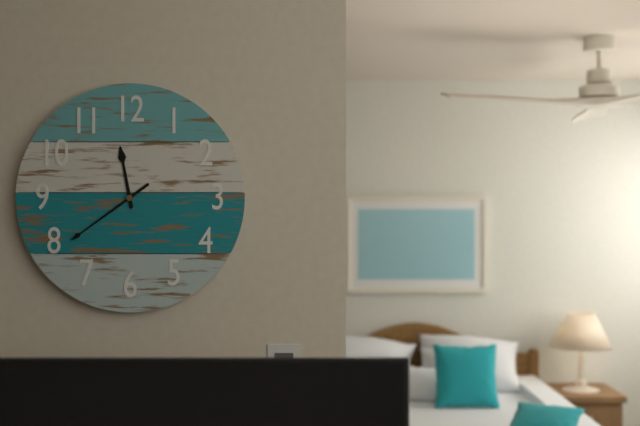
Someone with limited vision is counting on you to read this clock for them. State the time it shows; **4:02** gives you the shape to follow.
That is **11:39**
